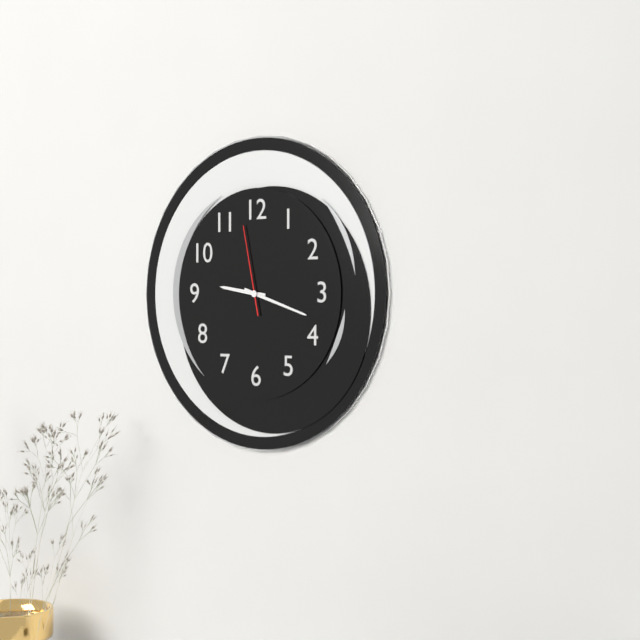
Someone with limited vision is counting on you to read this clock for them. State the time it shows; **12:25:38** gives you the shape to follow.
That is **9:18:58**
